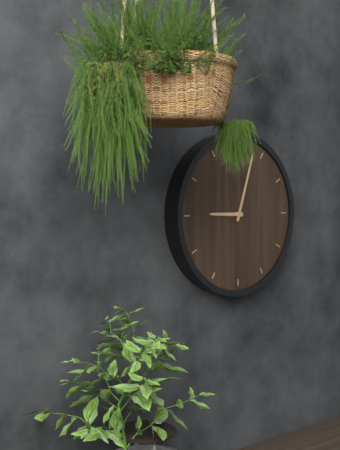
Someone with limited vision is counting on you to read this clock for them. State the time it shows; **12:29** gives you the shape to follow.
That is **9:03**
